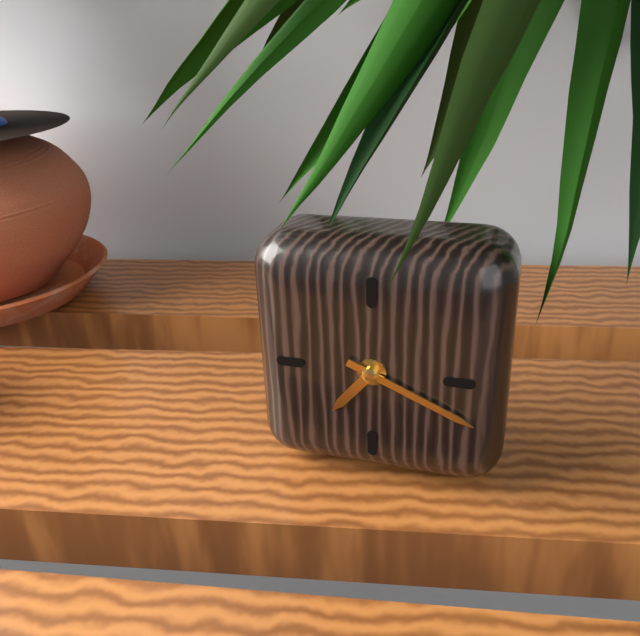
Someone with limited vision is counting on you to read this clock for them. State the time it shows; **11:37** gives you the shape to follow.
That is **7:19**
